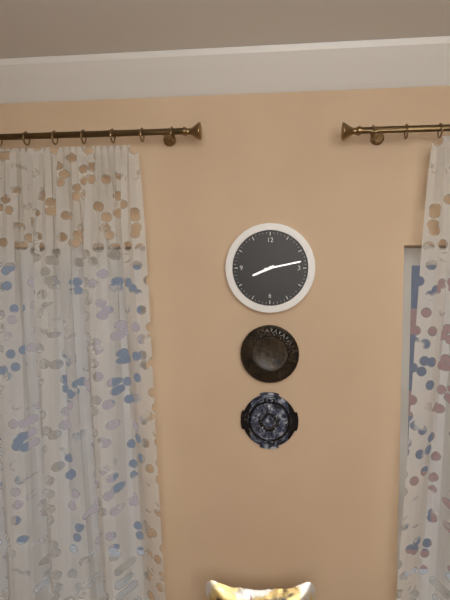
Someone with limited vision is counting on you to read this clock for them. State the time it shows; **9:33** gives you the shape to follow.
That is **8:13**
